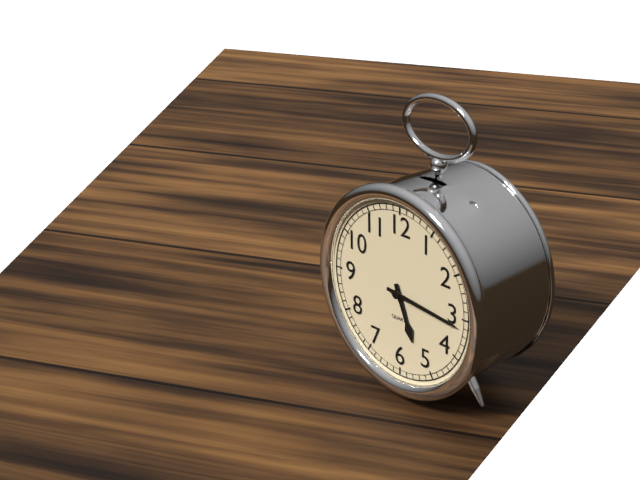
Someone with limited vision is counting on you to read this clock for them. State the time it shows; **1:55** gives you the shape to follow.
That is **5:16**
